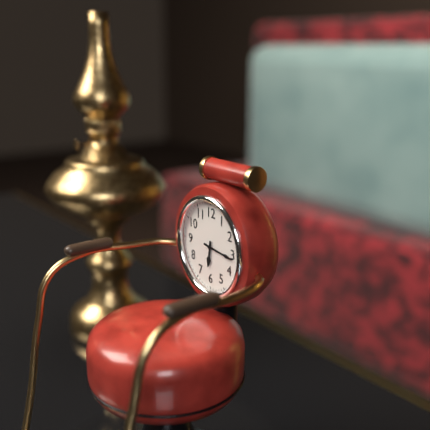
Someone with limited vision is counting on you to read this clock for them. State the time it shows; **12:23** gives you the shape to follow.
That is **6:16**
